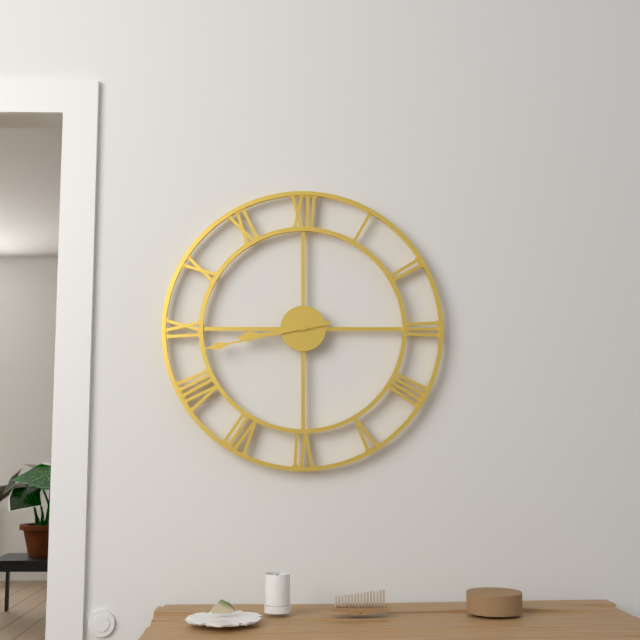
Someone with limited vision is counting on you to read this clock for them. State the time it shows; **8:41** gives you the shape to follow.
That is **8:43**
